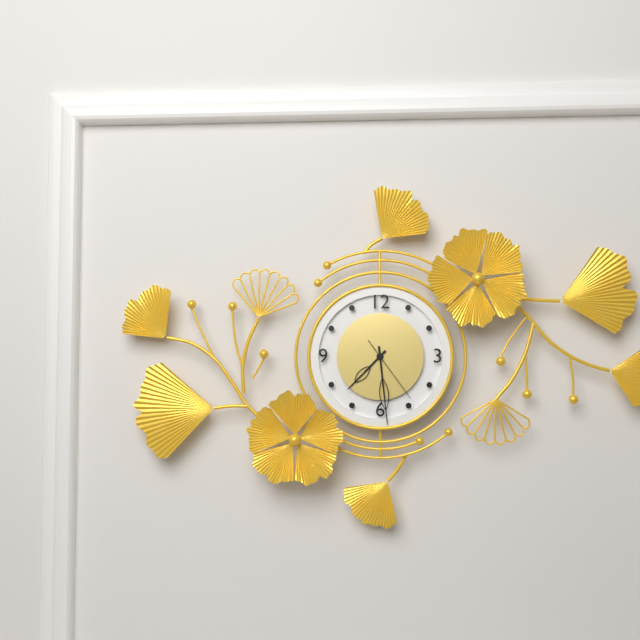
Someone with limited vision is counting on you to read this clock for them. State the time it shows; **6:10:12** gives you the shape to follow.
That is **7:29:24**
